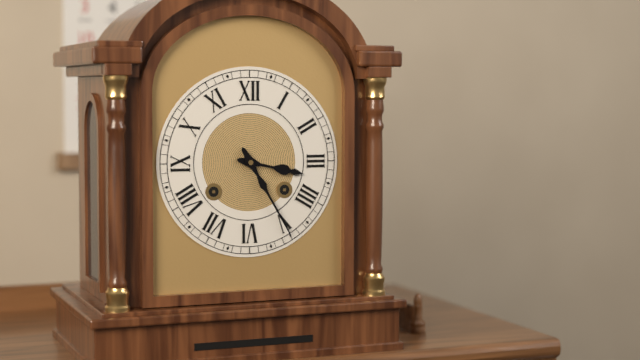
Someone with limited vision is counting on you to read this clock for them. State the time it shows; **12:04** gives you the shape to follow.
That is **3:25**
